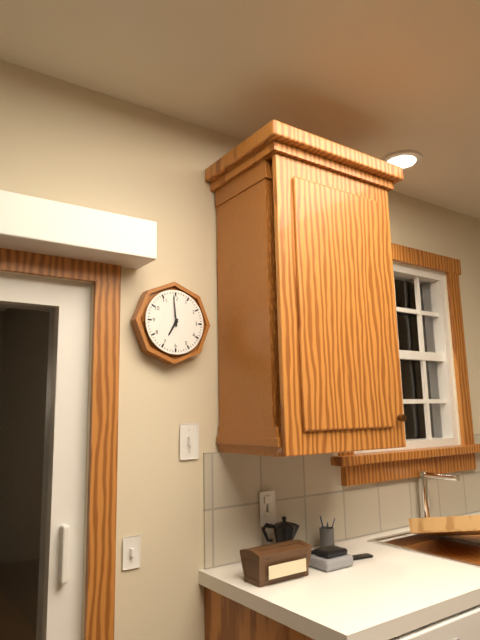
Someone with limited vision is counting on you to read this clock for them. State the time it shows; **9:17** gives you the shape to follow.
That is **6:59**
